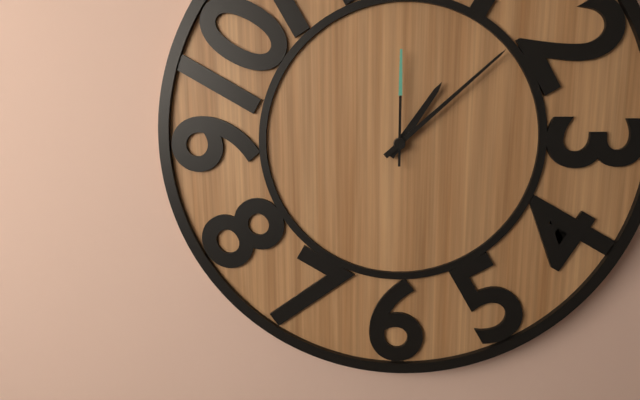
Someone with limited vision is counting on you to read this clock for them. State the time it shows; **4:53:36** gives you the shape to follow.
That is **1:08:00**
